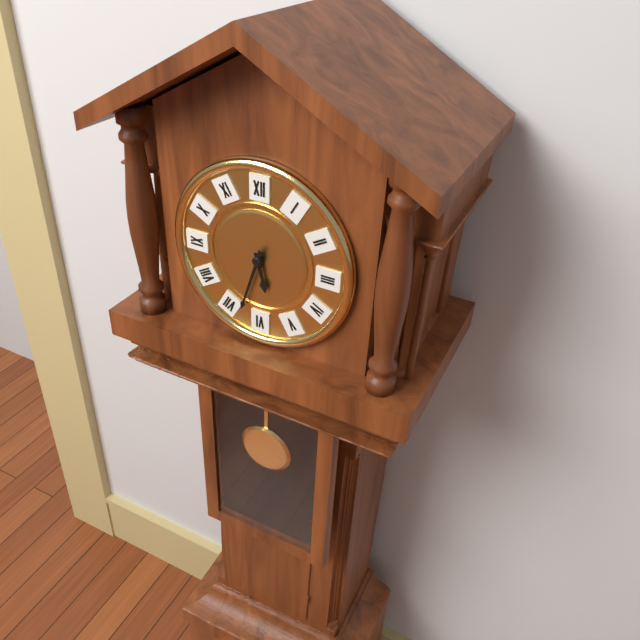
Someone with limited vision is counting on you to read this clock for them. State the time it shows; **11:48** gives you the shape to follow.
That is **5:33**
